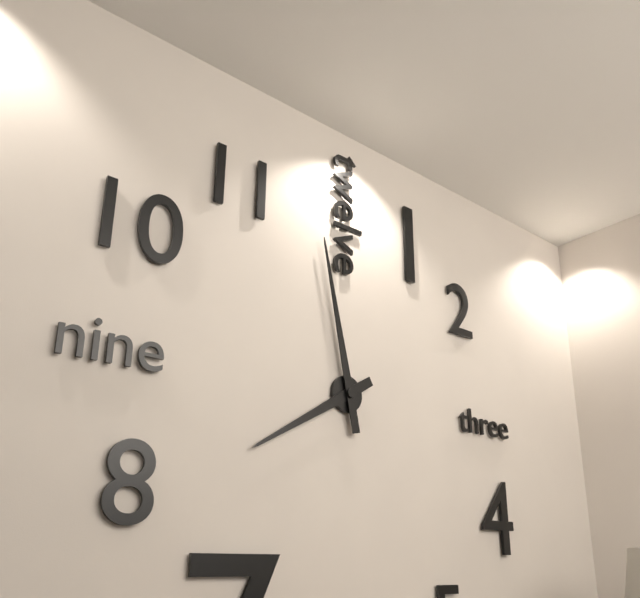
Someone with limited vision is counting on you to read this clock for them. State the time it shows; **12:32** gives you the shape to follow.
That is **7:58**
